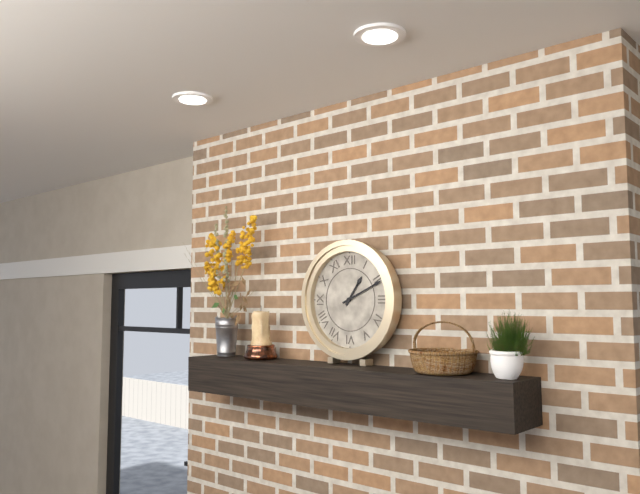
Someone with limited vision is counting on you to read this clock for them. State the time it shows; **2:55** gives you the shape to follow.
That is **1:11**
